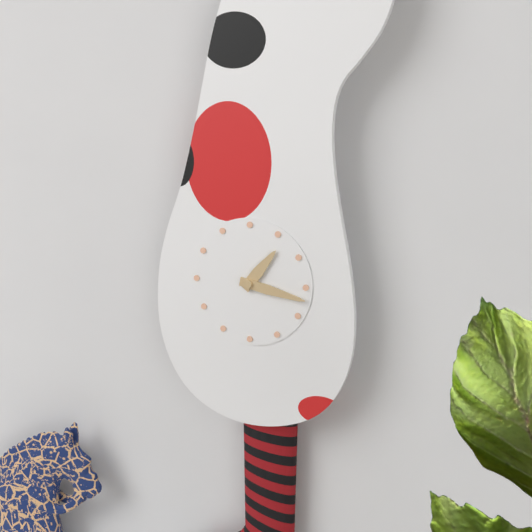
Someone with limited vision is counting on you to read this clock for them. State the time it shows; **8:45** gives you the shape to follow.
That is **1:17**
